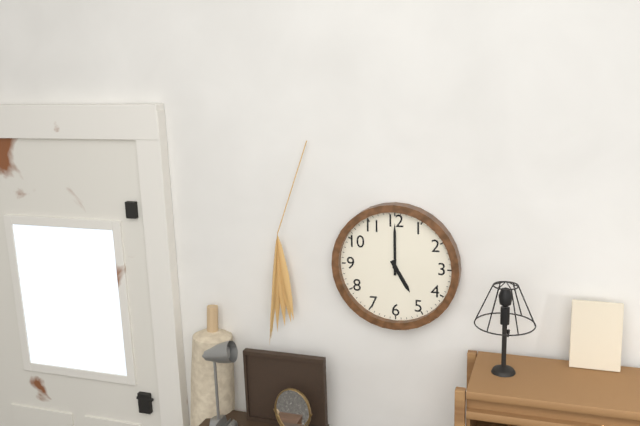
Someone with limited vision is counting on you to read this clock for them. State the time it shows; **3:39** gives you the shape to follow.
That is **5:00**
